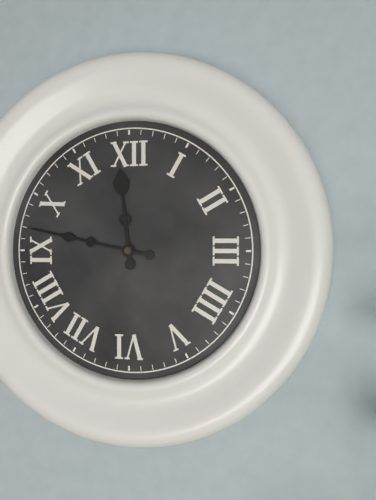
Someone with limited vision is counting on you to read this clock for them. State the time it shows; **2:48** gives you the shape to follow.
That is **11:47**
